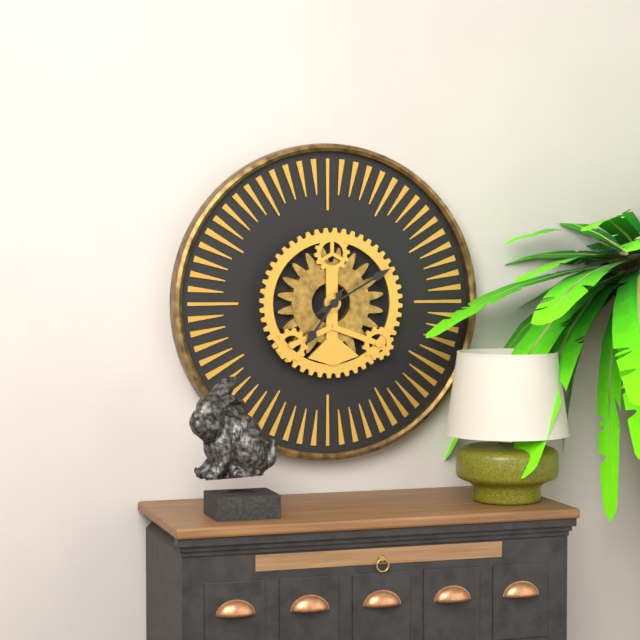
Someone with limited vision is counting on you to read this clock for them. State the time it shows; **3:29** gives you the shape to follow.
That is **7:10**
